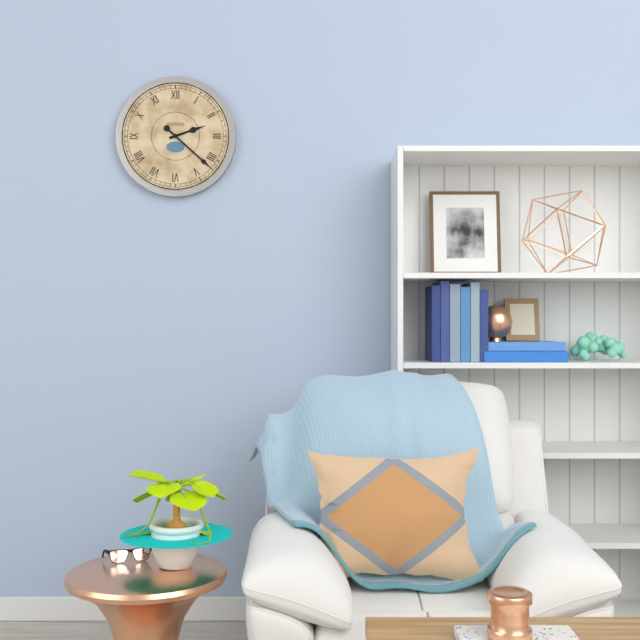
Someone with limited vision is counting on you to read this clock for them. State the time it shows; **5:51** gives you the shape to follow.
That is **2:22**
